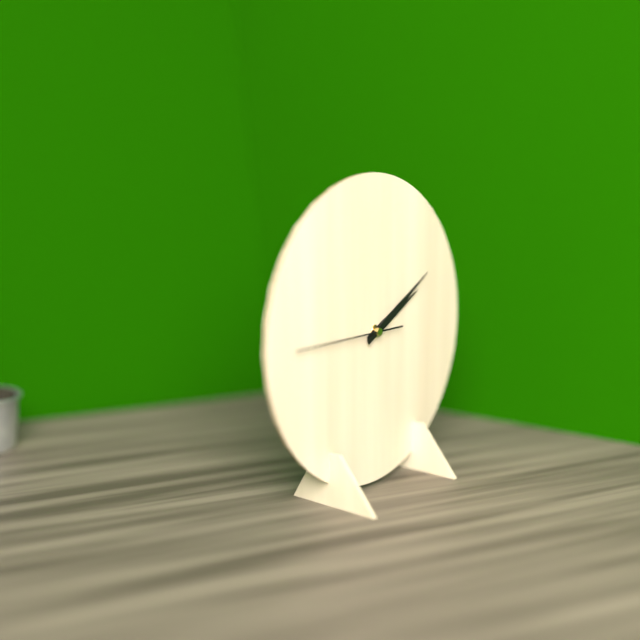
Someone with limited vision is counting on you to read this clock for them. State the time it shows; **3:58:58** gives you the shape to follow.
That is **2:10:45**
